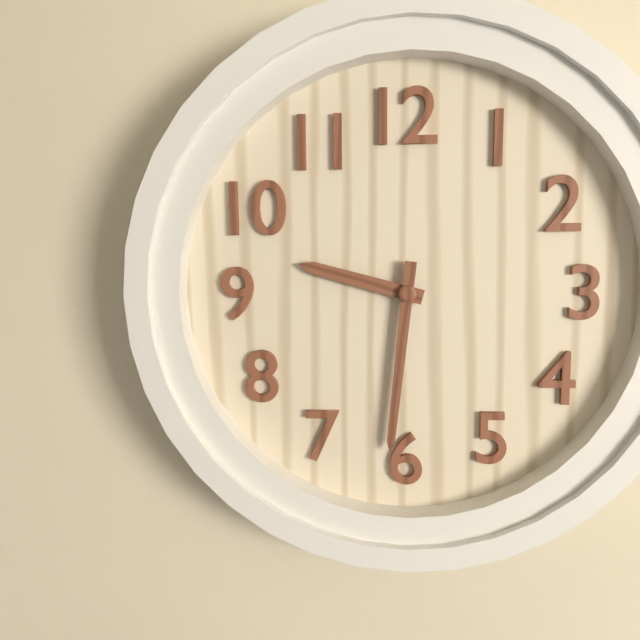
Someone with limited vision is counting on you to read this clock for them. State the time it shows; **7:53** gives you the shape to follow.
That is **9:31**
